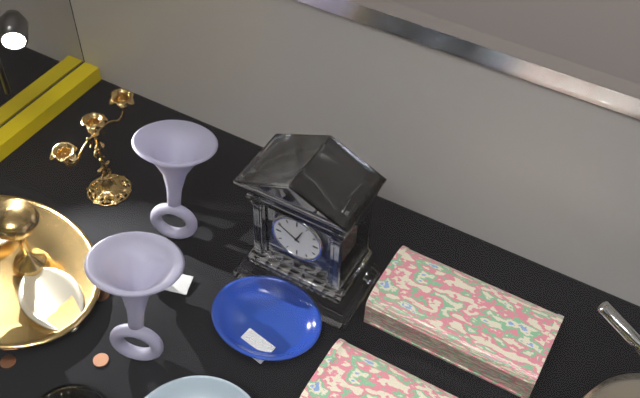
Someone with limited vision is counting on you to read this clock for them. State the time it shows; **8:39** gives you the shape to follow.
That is **12:50**
